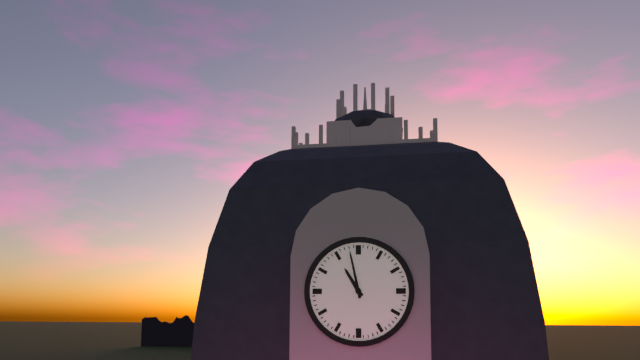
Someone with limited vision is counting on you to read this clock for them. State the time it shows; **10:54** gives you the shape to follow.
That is **10:58**
